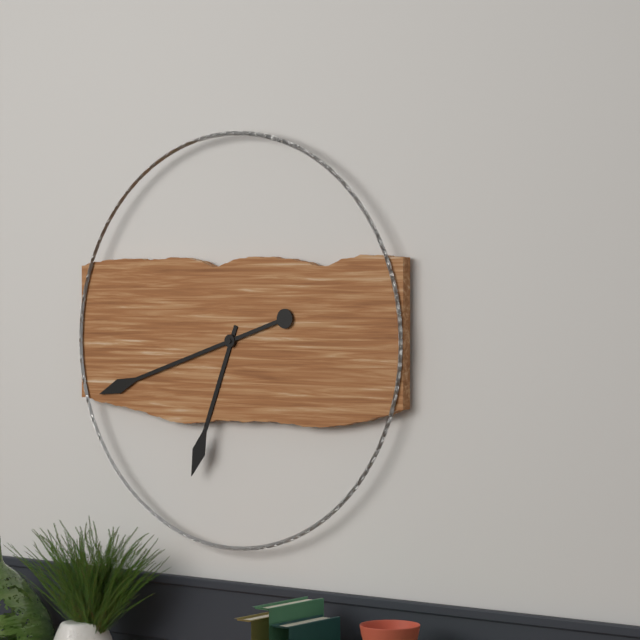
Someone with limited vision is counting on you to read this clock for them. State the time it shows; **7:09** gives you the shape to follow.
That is **6:42**
